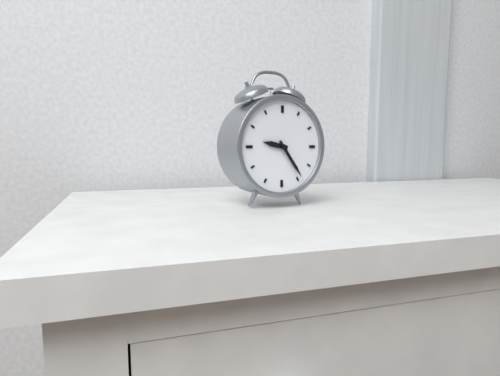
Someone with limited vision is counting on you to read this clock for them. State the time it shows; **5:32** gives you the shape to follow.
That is **9:24**
